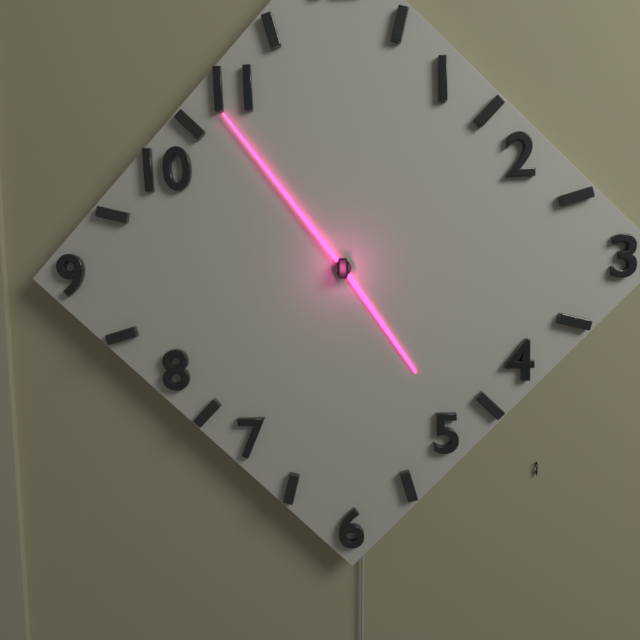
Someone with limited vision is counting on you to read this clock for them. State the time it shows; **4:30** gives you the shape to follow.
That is **4:54**
